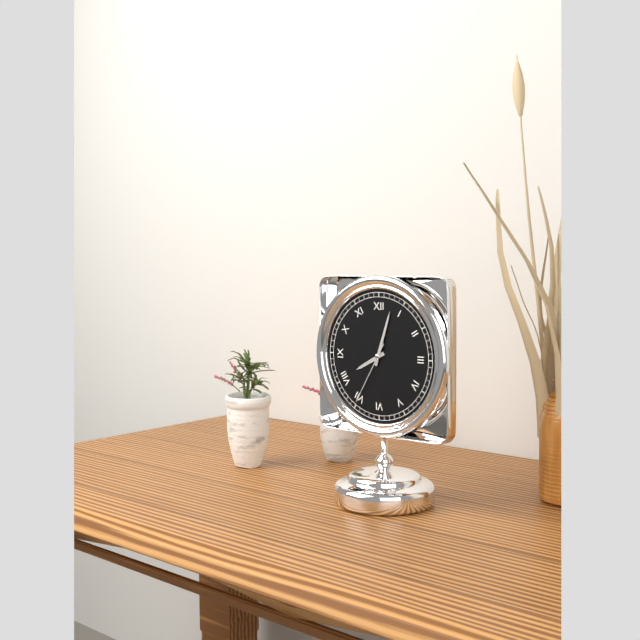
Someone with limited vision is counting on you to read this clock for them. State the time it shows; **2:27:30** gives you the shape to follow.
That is **8:03:35**
